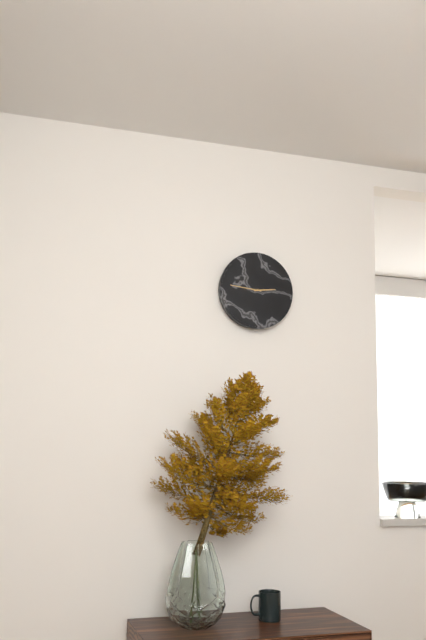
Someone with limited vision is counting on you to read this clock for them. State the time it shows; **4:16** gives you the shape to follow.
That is **2:46**
